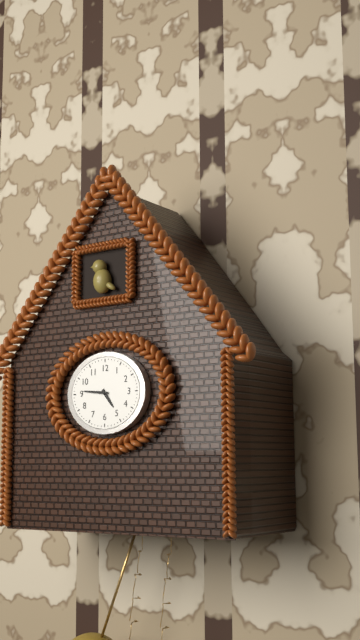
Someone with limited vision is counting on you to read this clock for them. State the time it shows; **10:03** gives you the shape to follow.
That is **4:46**
